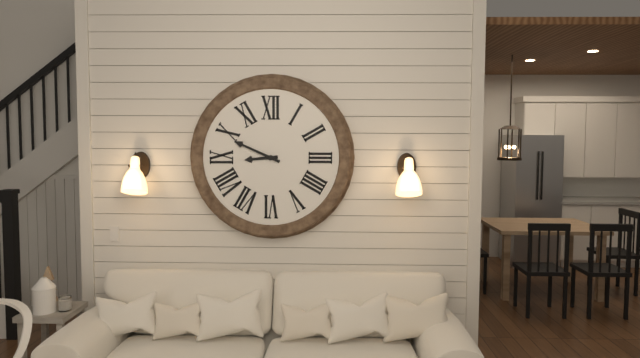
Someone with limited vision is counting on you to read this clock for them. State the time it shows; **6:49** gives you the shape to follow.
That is **8:49**
